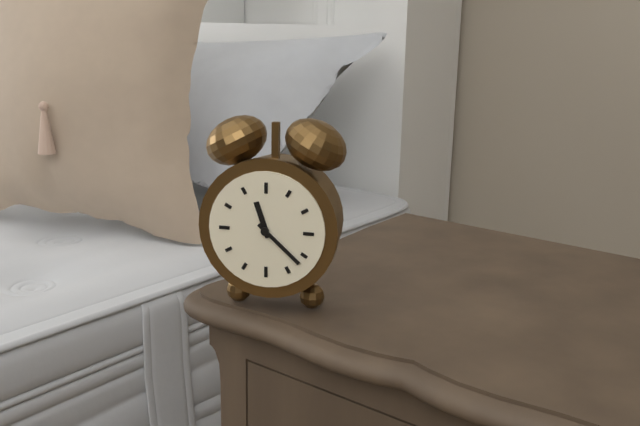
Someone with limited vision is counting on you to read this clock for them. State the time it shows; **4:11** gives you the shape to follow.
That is **11:22**
